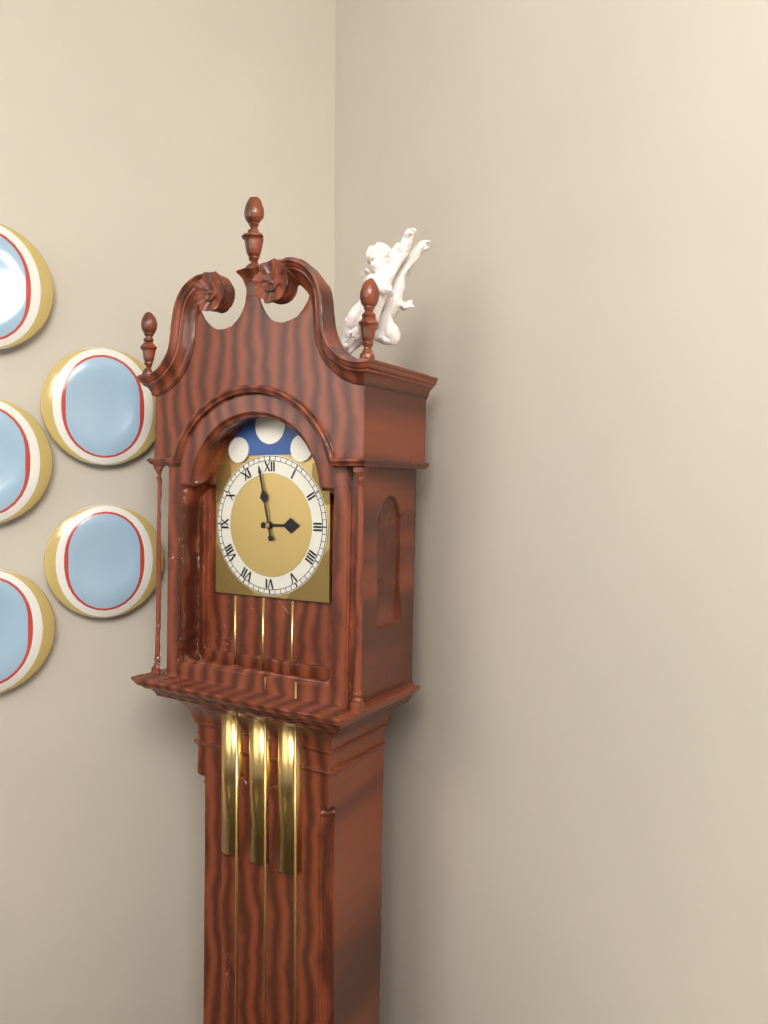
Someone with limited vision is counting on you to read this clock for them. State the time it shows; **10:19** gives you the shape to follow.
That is **2:58**
